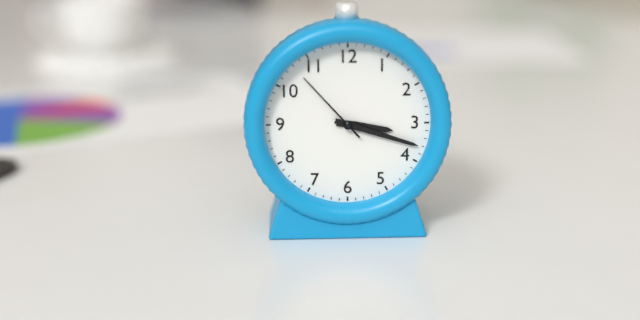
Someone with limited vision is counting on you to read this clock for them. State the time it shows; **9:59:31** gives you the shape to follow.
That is **3:18:53**
